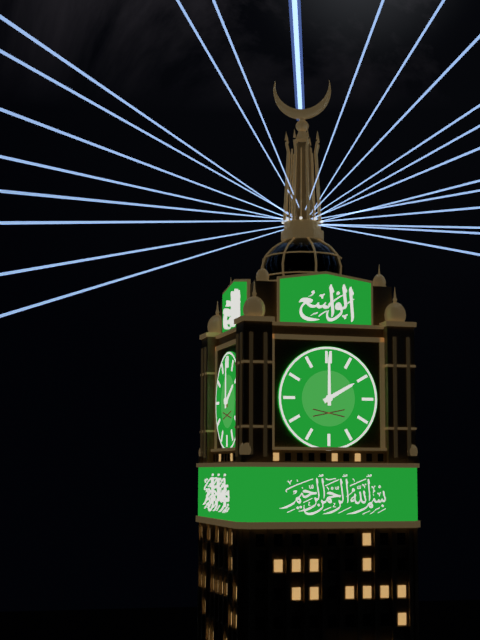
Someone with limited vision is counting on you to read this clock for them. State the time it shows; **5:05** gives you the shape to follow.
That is **2:00**
